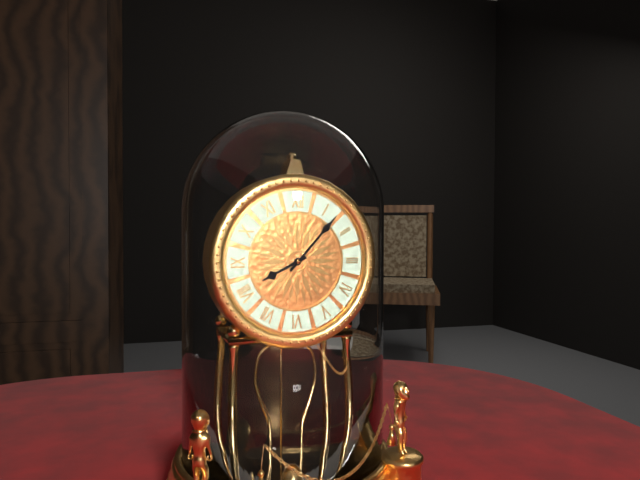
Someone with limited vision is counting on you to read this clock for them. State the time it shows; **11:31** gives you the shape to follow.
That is **8:07**
